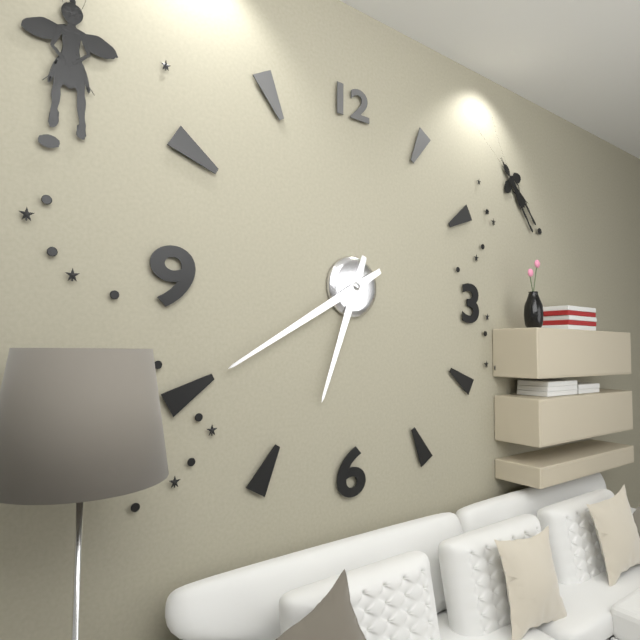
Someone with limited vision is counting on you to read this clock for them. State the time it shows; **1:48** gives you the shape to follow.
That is **6:40**
